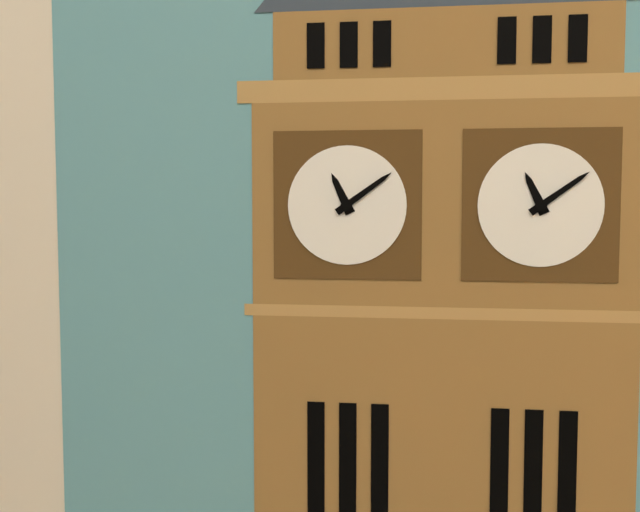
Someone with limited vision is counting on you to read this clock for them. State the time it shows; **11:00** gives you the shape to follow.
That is **11:09**
